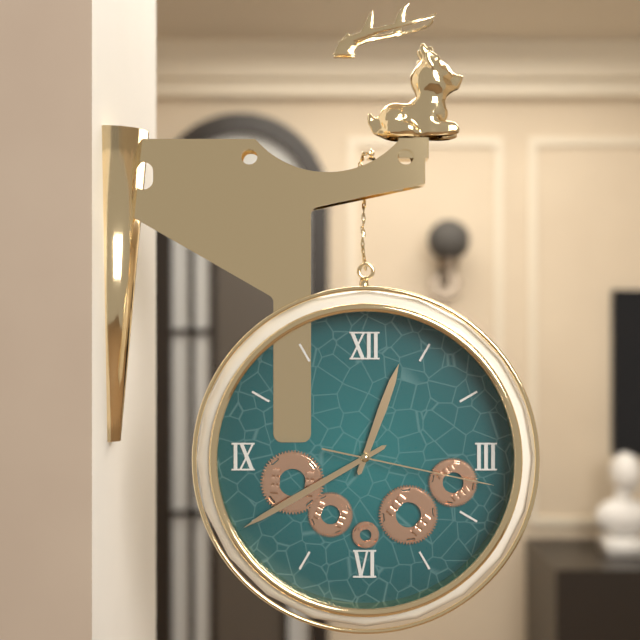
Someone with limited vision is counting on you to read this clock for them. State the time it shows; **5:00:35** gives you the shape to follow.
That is **12:40:17**
